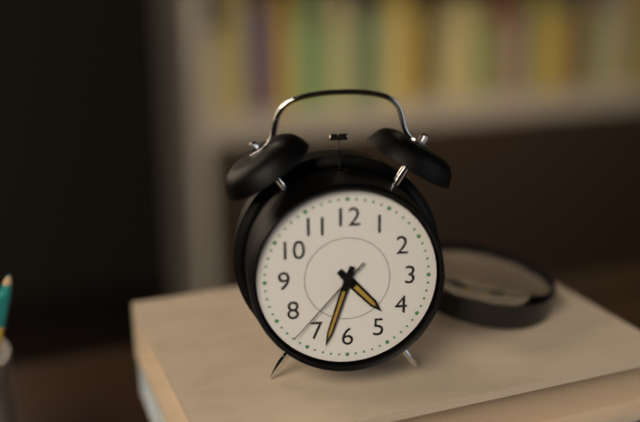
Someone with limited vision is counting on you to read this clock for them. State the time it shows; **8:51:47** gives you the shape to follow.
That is **4:33:37**
